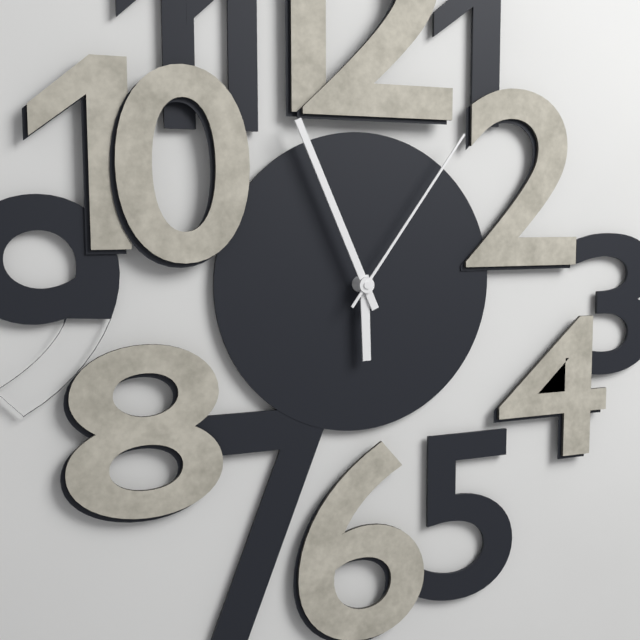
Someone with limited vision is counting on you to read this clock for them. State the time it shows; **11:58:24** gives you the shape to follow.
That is **5:56:06**
